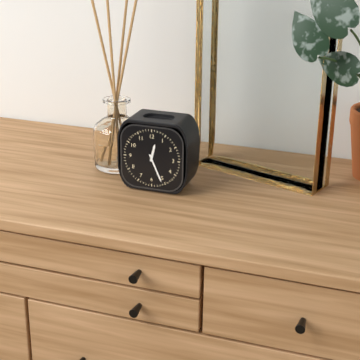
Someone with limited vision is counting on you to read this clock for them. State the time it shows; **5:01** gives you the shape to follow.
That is **12:26**
